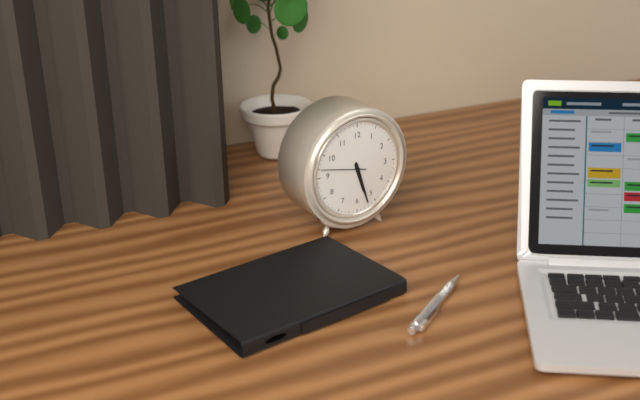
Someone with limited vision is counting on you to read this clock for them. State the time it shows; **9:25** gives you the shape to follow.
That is **5:27**
